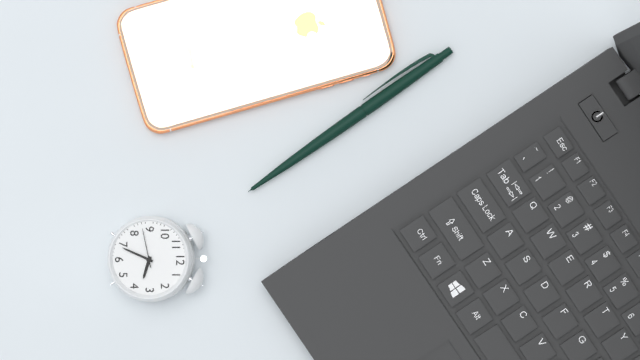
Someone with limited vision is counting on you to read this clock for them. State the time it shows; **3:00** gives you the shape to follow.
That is **3:34**
